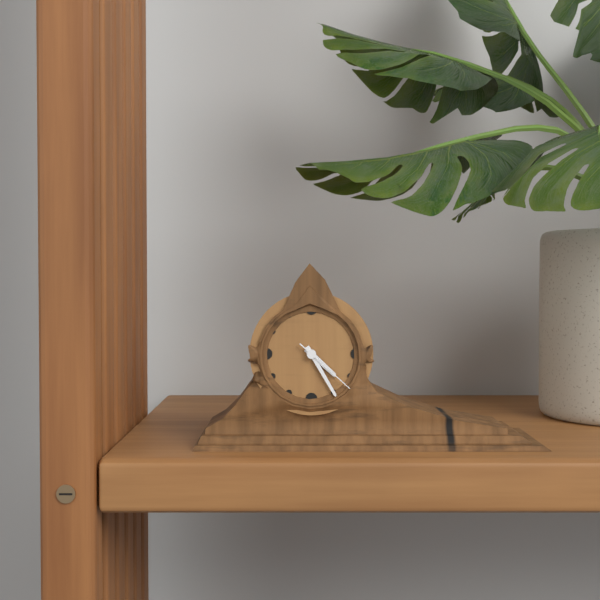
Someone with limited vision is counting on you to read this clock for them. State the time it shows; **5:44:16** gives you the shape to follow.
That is **4:25:22**
